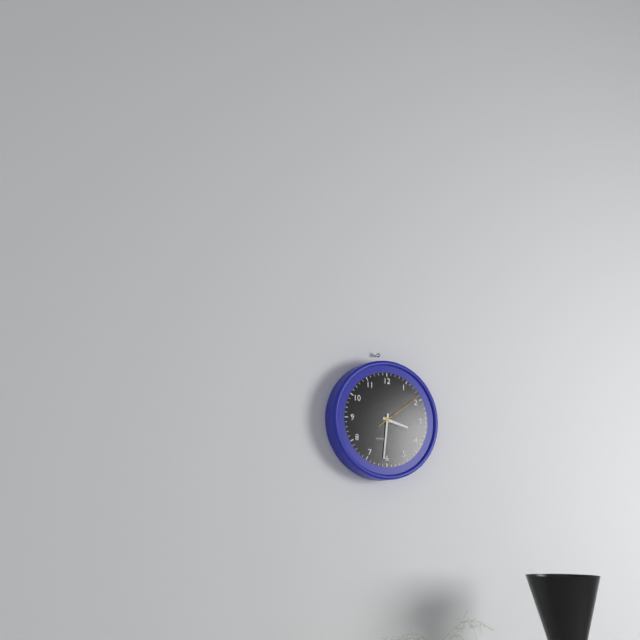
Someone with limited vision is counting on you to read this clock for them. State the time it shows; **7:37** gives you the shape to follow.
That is **3:31**
